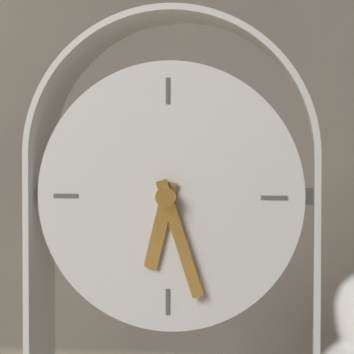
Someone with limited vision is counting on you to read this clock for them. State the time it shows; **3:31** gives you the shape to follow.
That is **6:27**
